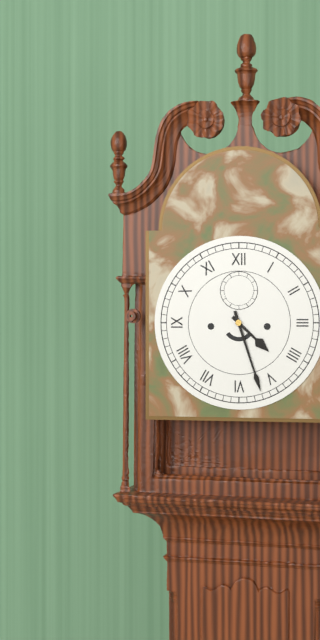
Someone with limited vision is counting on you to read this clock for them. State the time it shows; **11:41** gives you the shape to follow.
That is **4:27**
